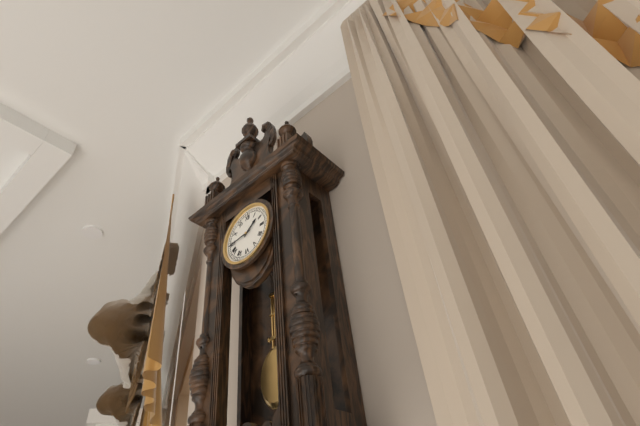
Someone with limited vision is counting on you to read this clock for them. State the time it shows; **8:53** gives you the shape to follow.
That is **1:44**
